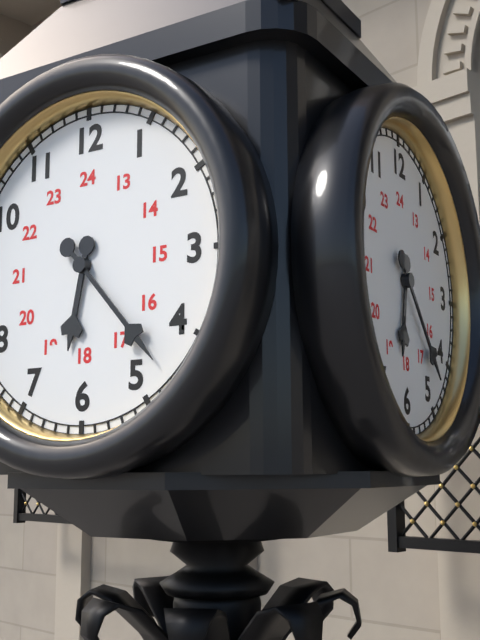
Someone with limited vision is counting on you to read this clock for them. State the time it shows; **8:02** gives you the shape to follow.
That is **6:23**
